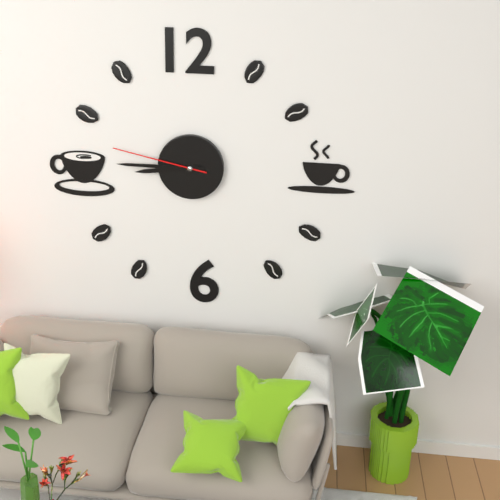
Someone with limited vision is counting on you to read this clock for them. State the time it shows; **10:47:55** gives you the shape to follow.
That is **8:45:47**
